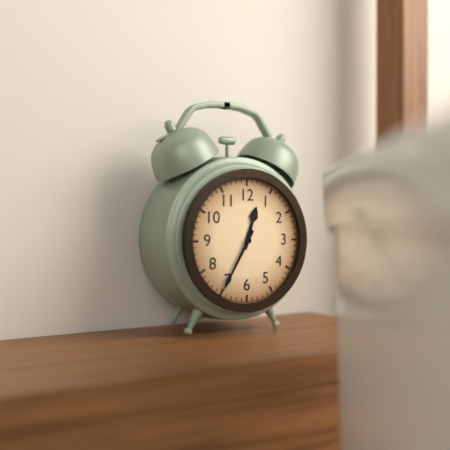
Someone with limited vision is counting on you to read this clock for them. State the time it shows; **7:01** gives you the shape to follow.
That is **12:35**
